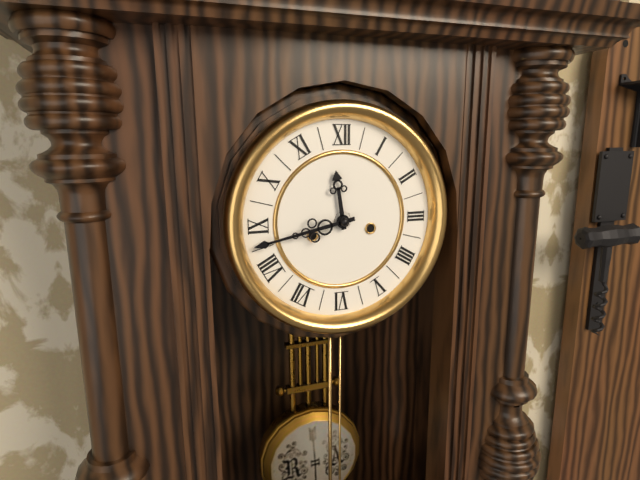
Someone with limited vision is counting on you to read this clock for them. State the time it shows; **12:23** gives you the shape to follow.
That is **11:43**
